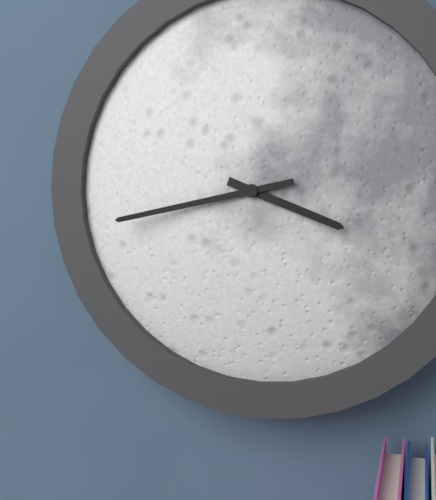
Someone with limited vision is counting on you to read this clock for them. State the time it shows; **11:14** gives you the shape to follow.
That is **3:43**
